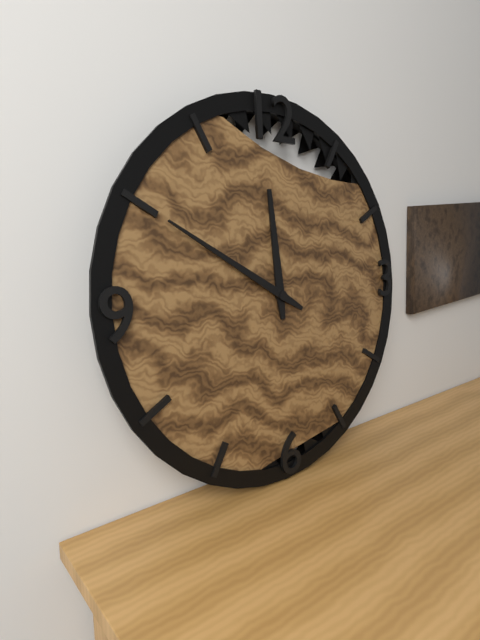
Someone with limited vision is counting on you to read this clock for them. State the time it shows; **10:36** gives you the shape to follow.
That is **11:50**
